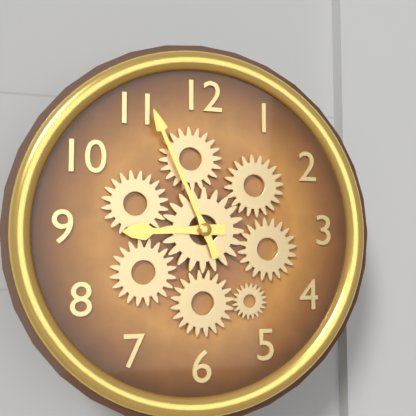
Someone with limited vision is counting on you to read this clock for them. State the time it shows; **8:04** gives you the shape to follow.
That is **8:56**
